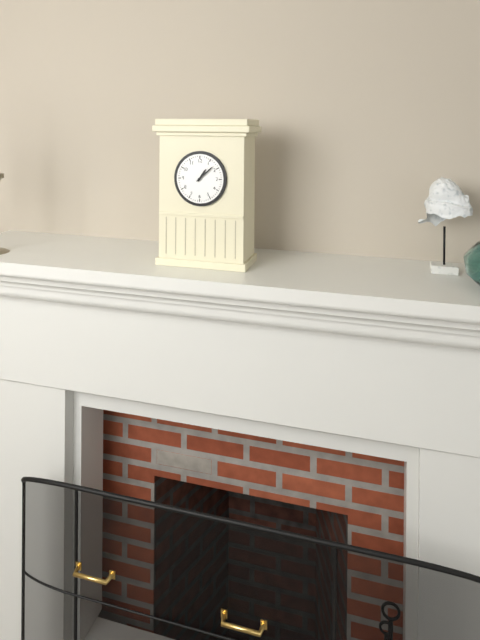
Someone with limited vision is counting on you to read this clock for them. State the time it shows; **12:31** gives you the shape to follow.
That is **1:08**
